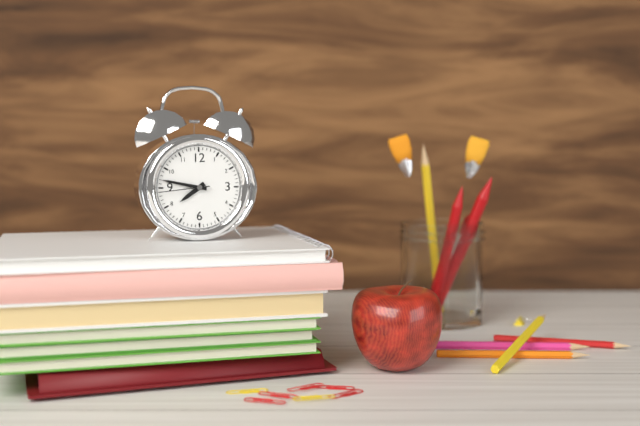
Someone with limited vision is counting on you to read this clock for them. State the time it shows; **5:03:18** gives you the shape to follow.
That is **7:47:44**
